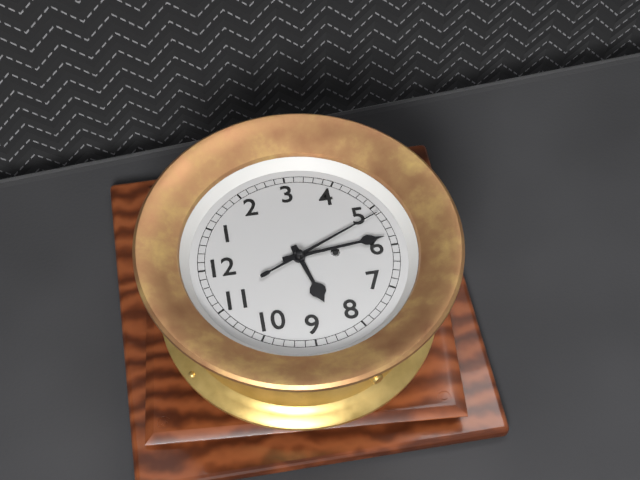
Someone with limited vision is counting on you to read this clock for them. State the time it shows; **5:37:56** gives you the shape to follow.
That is **8:29:26**
